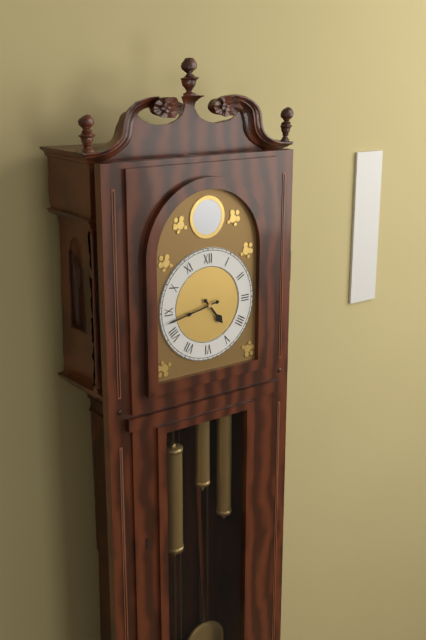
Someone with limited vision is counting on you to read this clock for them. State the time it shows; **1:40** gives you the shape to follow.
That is **4:43**
